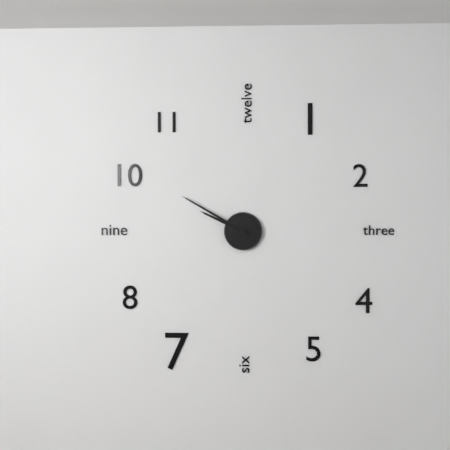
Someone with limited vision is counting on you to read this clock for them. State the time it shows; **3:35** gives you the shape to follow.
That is **9:50**
